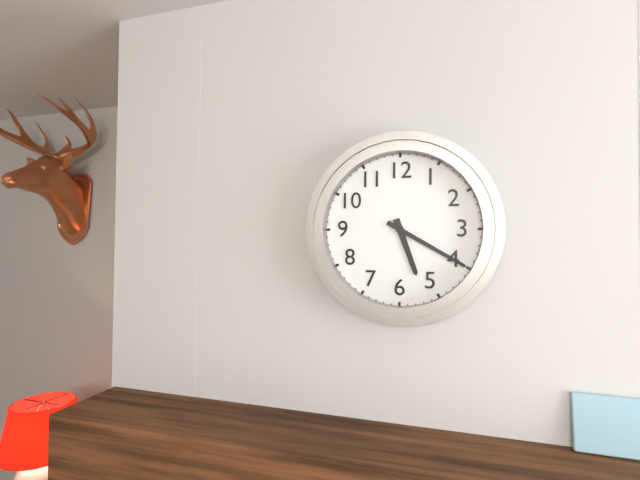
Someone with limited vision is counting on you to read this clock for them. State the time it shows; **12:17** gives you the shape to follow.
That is **5:20**
